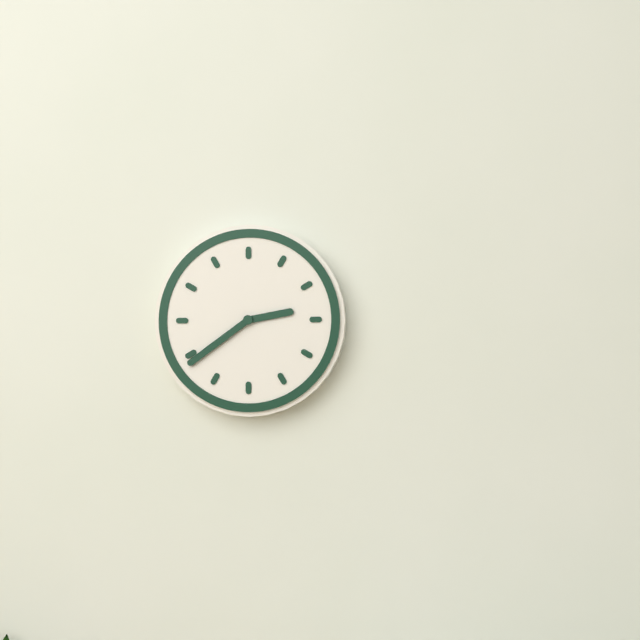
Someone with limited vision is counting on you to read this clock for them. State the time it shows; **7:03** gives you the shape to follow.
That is **2:39**
